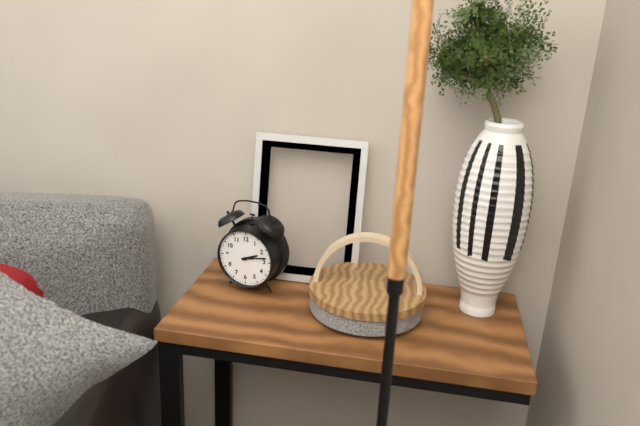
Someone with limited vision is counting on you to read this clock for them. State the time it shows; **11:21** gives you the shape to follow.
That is **2:13**
